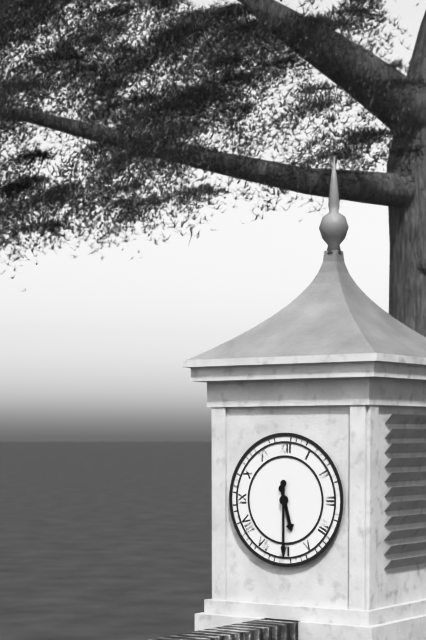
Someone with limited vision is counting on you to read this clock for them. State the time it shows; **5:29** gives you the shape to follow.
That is **5:30**
